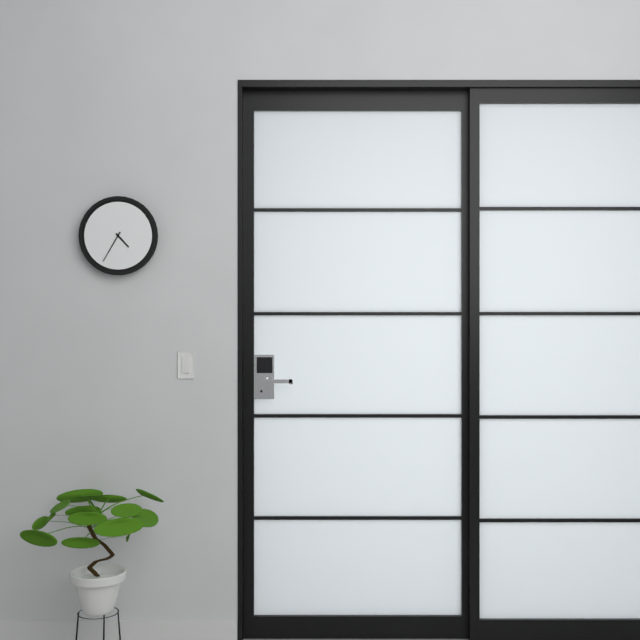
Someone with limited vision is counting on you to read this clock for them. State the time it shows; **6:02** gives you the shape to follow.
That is **4:35**
